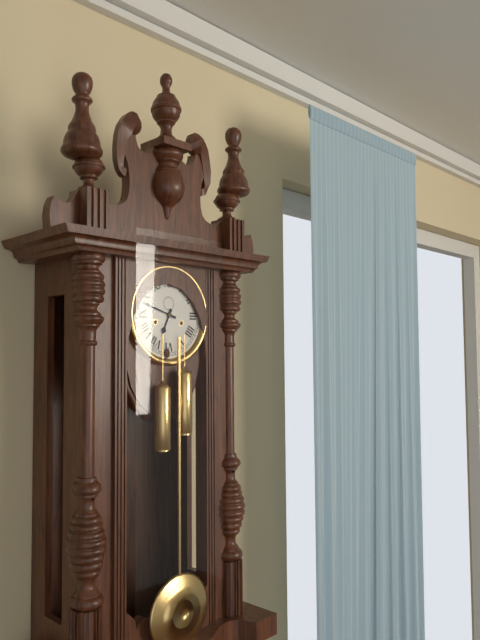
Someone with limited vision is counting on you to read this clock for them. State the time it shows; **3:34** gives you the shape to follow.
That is **6:48**
